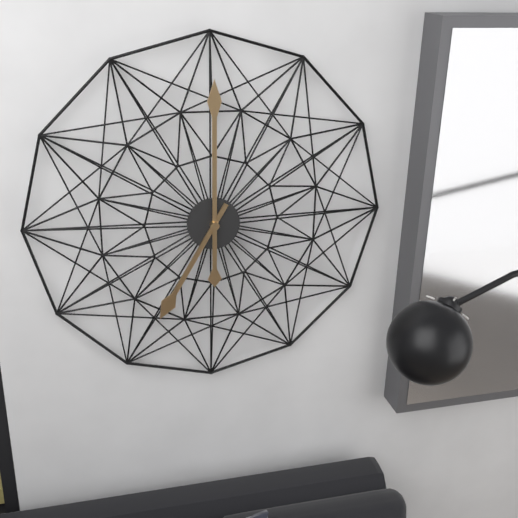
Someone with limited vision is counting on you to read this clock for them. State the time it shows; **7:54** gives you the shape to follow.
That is **7:00**
